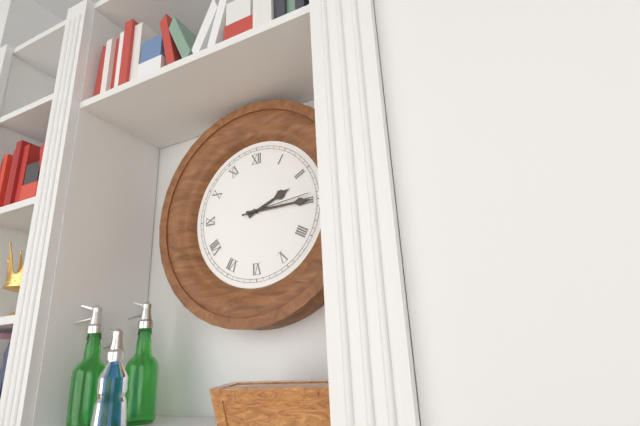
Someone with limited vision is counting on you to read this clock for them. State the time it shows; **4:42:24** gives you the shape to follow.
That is **2:15:14**
